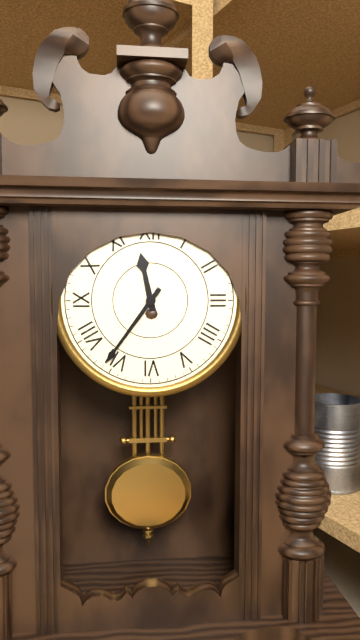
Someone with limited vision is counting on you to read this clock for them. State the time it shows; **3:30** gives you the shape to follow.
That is **11:36**
